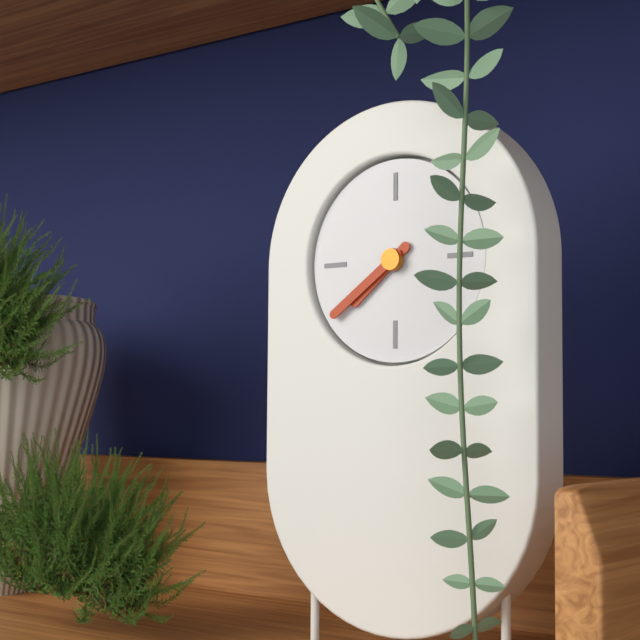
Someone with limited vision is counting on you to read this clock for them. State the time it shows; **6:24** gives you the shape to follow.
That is **7:39**
